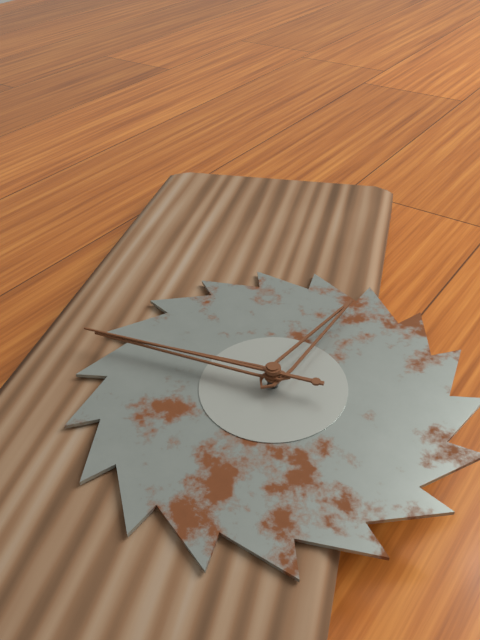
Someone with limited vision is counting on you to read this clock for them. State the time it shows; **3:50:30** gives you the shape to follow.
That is **12:46:46**
